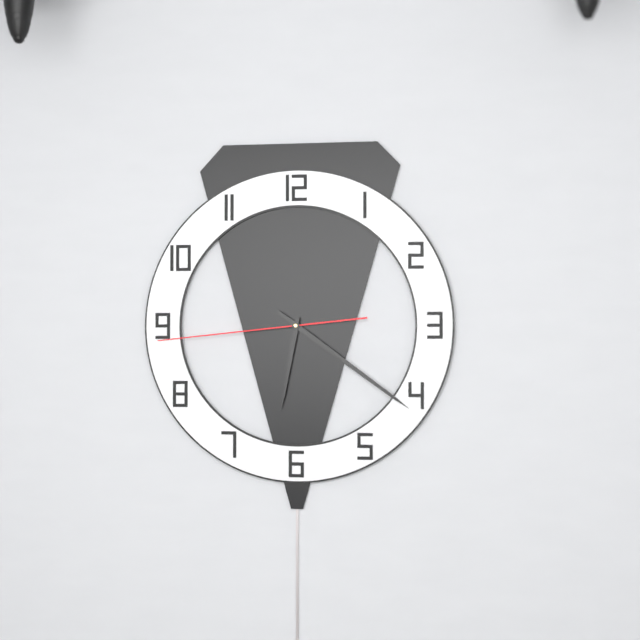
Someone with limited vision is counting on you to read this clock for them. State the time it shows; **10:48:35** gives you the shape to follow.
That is **6:21:44**
